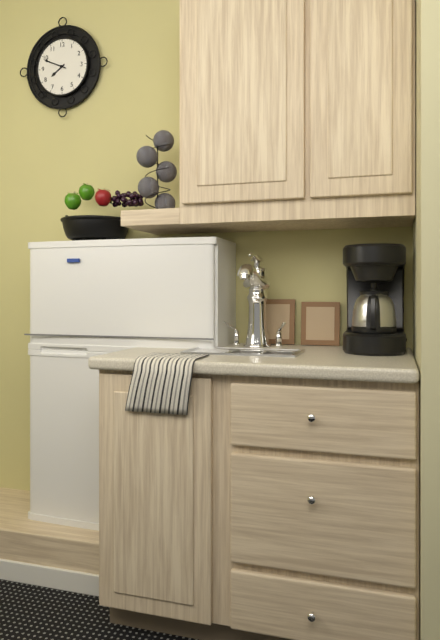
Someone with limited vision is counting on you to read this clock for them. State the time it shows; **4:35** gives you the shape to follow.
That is **7:49**
